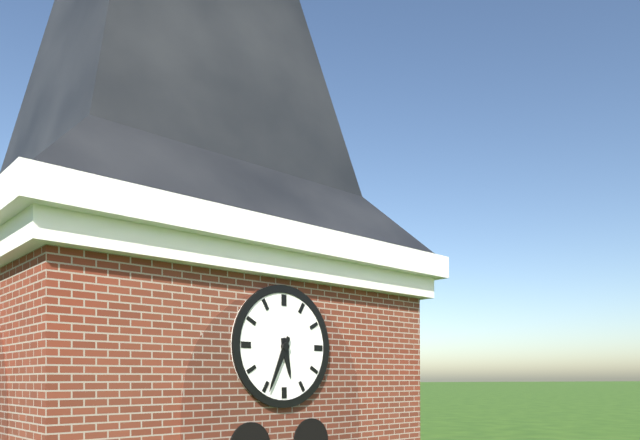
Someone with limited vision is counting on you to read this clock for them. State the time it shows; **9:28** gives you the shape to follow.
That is **5:34**
